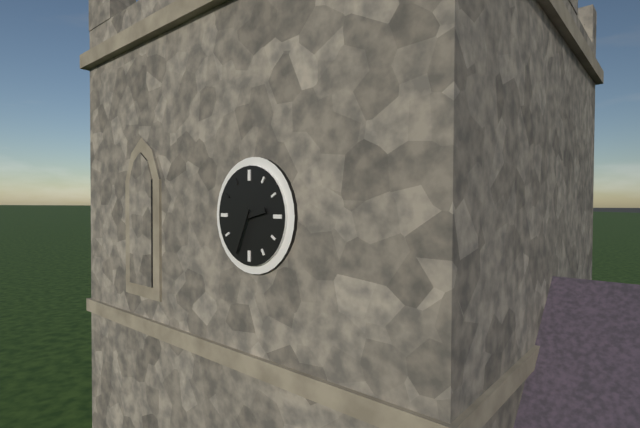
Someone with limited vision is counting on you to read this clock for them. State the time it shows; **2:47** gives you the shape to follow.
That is **2:34**
